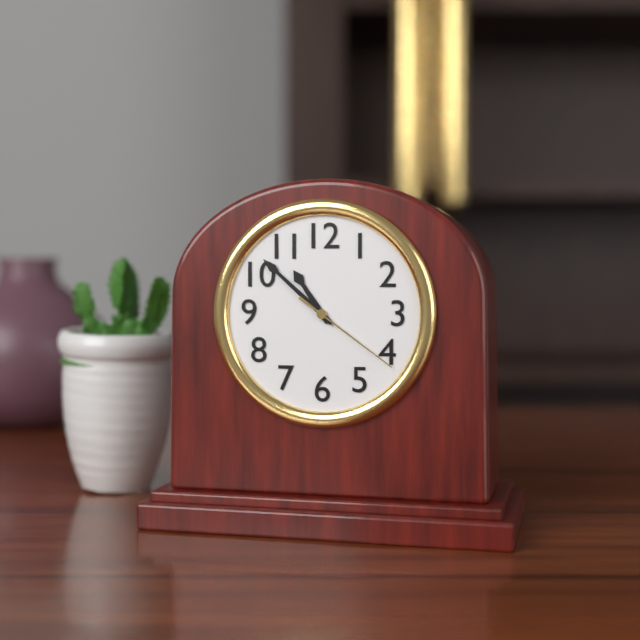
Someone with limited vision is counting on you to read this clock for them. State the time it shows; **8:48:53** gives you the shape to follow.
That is **10:52:21**
